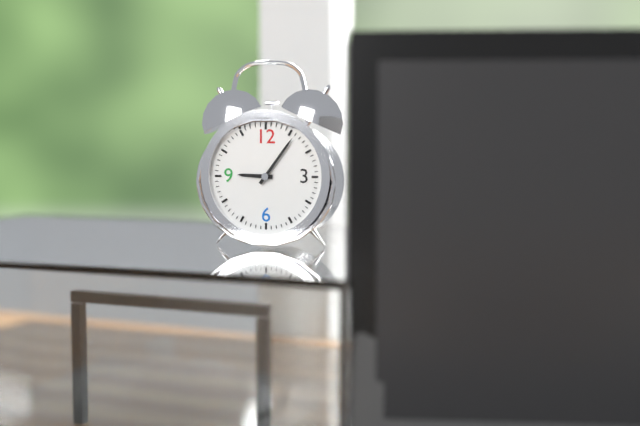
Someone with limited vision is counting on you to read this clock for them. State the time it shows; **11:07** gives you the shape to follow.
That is **9:06**
